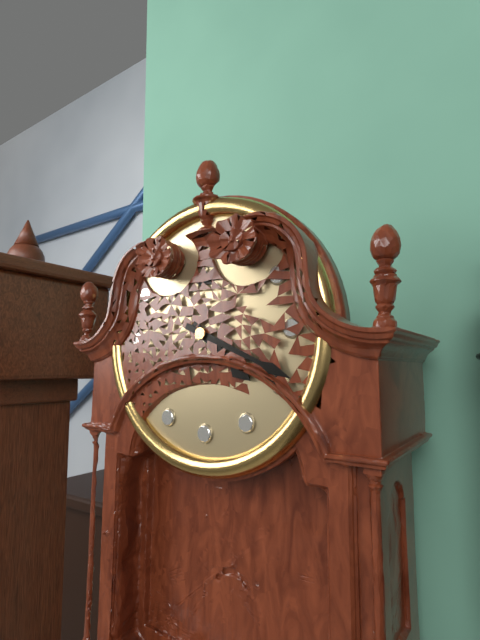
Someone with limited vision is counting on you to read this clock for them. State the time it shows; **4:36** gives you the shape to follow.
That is **4:19**
